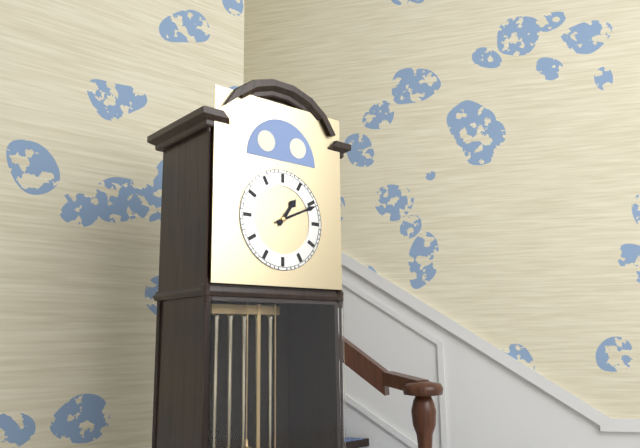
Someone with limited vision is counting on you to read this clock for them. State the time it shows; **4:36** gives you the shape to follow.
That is **1:11**
